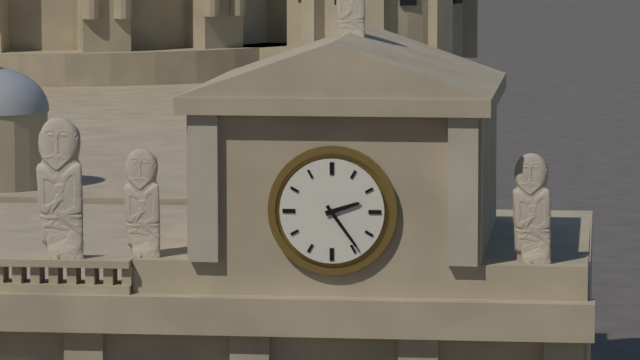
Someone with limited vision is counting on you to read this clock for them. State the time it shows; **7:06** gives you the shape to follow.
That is **2:24**
